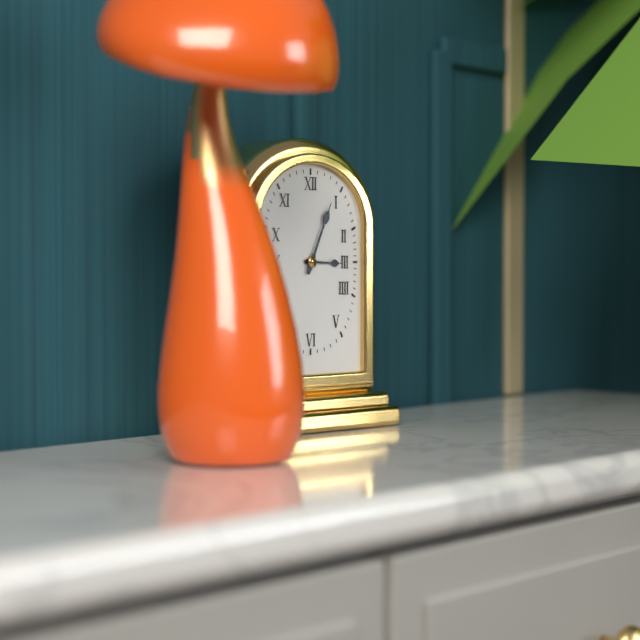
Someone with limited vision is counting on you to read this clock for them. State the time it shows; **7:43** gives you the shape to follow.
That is **3:04**
